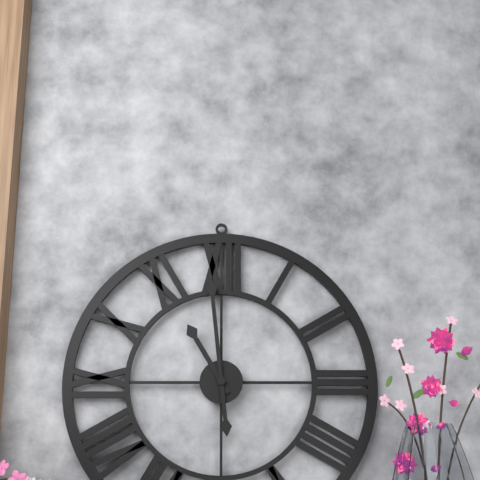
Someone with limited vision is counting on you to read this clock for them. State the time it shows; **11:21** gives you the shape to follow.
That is **10:59**
